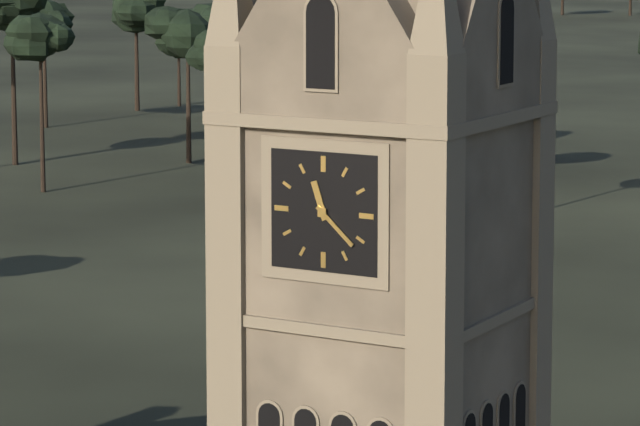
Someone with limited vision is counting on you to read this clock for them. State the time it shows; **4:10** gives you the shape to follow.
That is **11:22**
